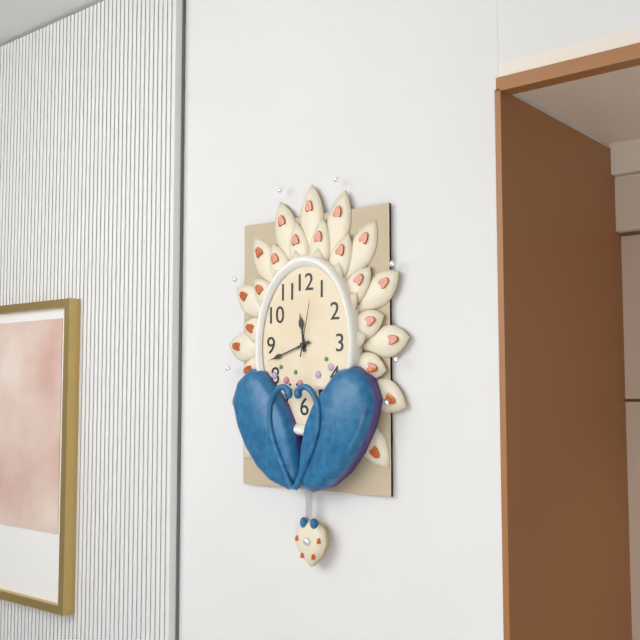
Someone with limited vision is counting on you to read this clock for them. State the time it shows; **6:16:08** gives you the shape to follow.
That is **11:42:02**
